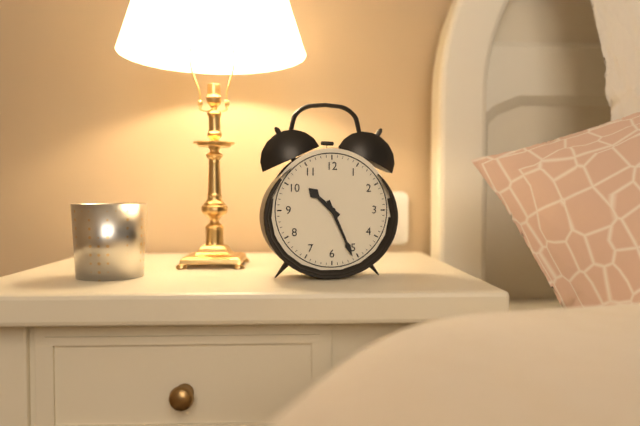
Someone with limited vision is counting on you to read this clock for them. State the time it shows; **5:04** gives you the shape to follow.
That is **10:26**
